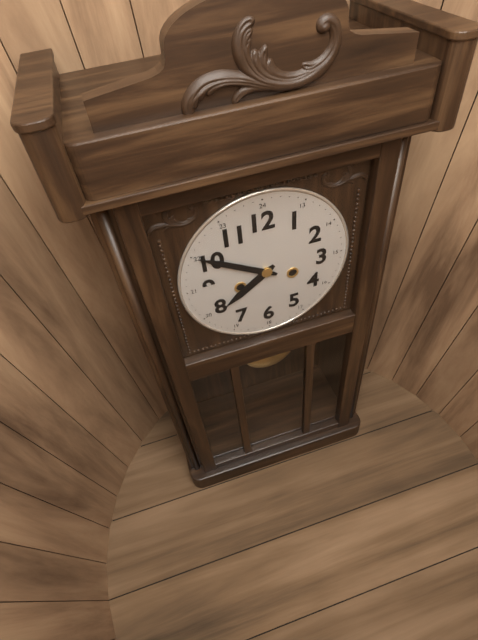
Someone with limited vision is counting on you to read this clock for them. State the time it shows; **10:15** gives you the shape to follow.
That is **7:50**
